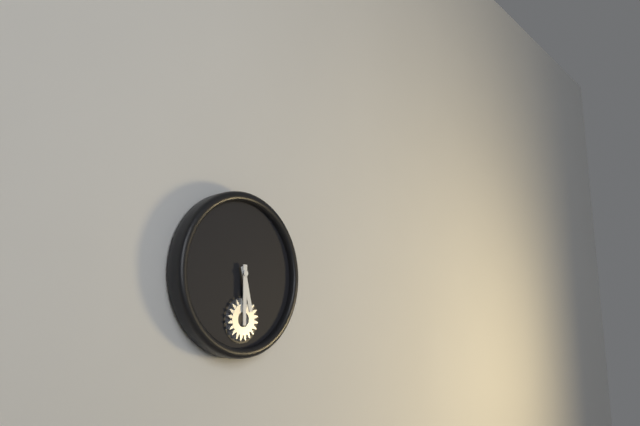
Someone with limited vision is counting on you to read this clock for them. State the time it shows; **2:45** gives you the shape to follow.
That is **5:30**
